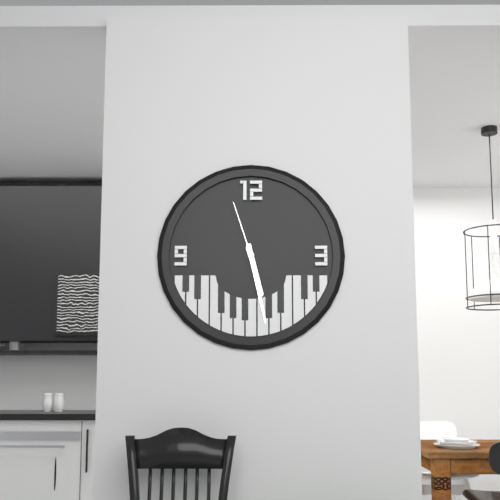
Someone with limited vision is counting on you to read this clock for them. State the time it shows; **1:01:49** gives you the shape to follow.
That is **5:28:57**
